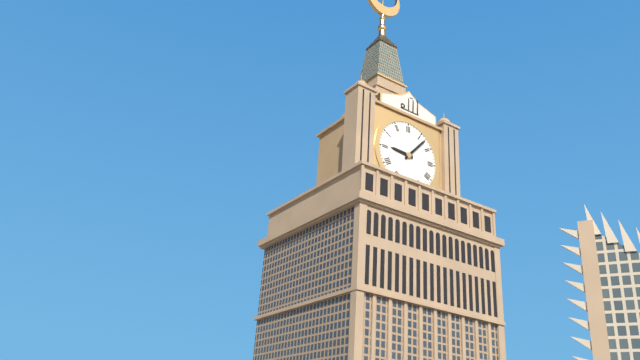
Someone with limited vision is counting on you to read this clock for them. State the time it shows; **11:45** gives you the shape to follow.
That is **9:07**
